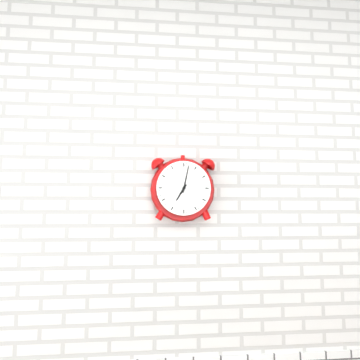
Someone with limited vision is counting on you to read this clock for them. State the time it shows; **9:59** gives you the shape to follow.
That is **7:02**
